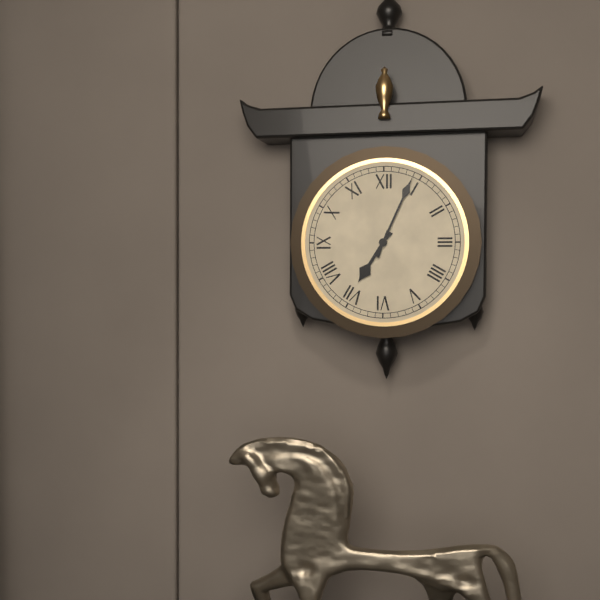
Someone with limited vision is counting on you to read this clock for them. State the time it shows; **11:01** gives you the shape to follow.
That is **7:04**
